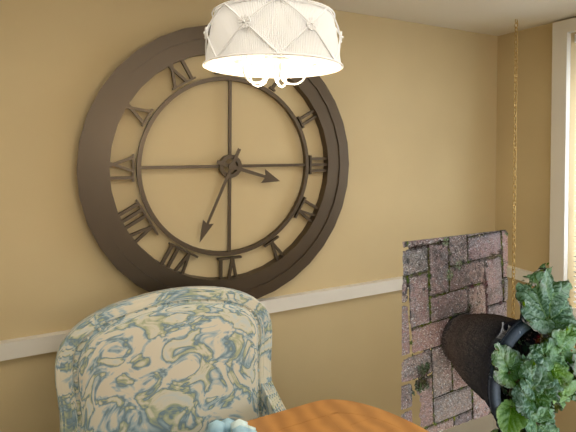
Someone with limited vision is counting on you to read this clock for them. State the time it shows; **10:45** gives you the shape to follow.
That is **3:34**
